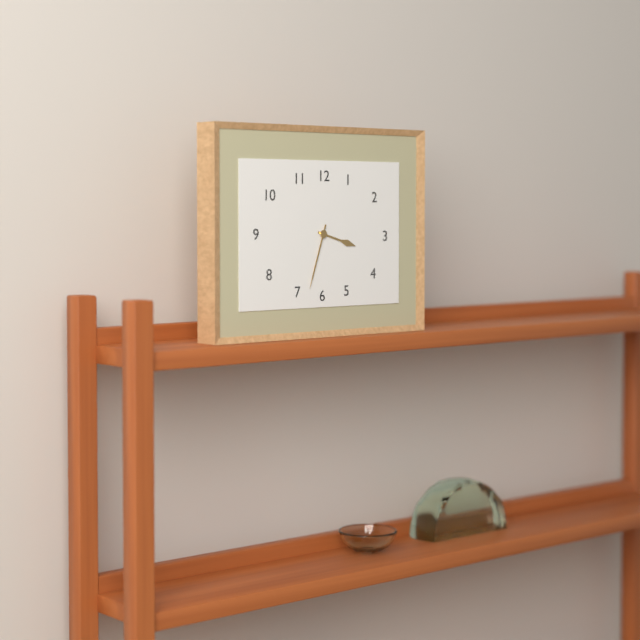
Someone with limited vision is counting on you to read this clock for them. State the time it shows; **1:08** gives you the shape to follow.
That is **3:33**
